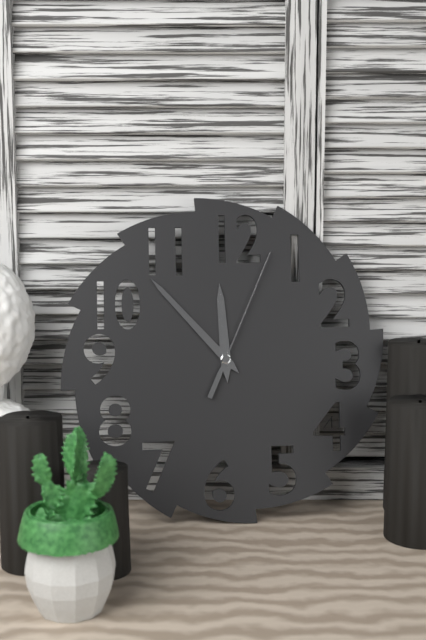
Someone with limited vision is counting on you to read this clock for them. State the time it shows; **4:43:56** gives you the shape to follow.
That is **11:53:04**
